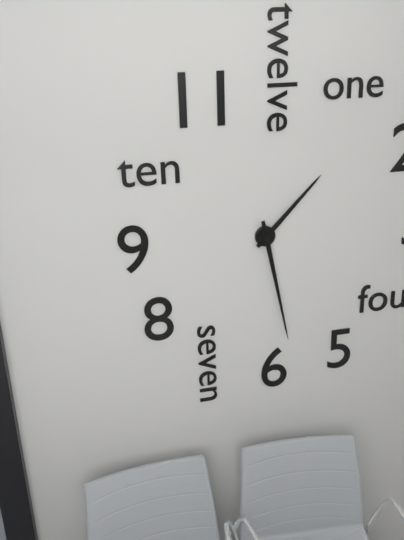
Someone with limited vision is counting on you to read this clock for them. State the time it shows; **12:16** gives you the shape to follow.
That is **1:28**
